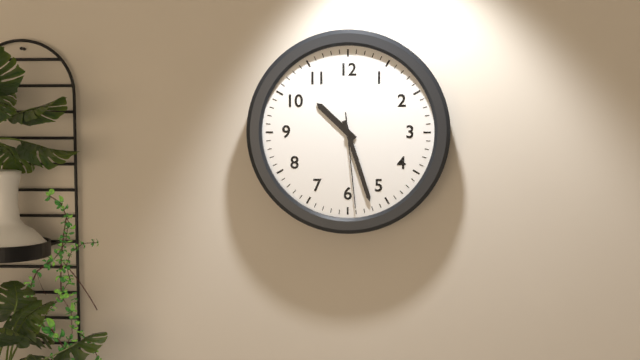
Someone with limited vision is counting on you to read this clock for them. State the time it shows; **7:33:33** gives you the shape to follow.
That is **10:27:29**
